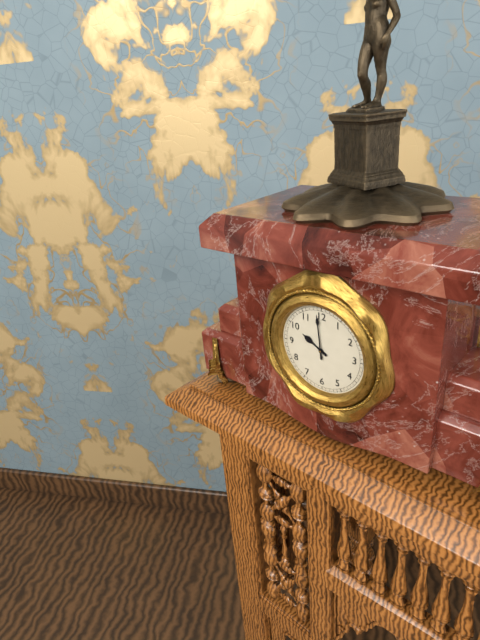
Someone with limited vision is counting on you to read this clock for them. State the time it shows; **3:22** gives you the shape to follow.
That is **9:59**
